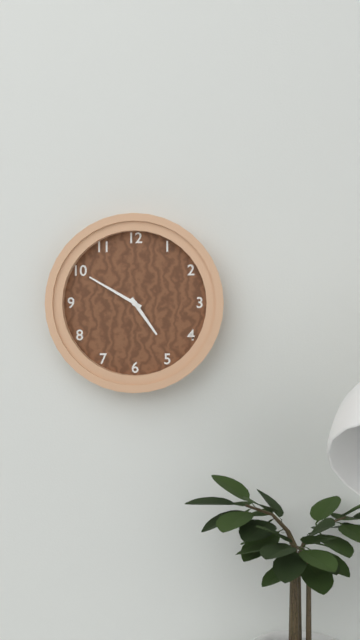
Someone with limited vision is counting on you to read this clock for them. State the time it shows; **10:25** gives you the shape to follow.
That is **4:50**
